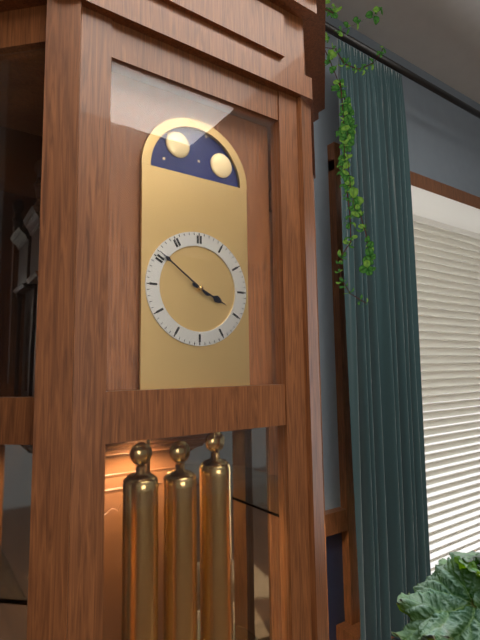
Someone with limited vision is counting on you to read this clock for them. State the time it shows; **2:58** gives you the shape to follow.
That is **3:51**
